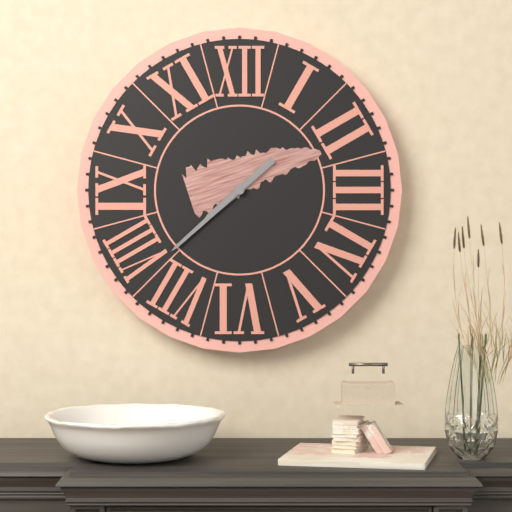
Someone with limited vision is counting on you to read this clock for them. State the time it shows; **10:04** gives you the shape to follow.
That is **7:38**
